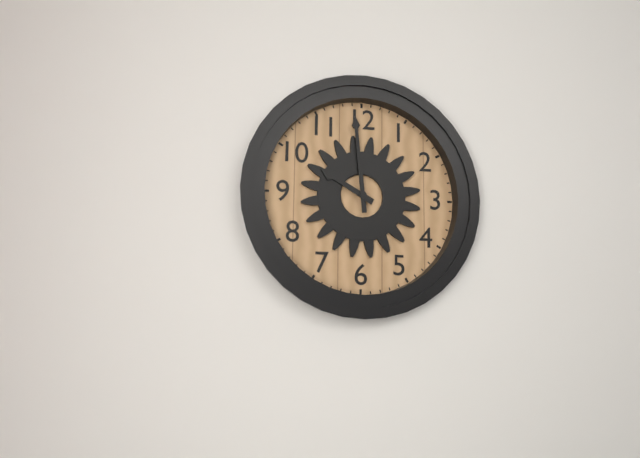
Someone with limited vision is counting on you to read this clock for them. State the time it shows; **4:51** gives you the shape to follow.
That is **9:59**
